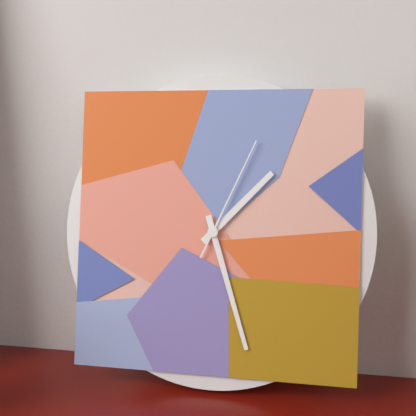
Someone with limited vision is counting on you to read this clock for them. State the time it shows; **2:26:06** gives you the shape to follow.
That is **1:27:04**
